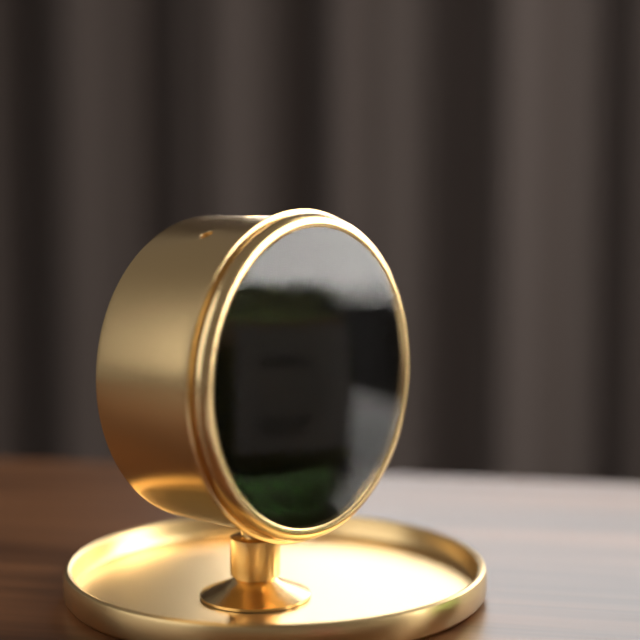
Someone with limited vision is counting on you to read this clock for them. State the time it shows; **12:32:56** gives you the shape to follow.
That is **7:30:29**
